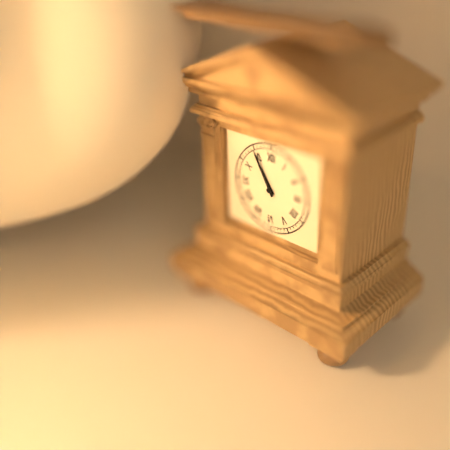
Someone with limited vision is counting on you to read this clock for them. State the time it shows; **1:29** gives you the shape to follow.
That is **10:55**
